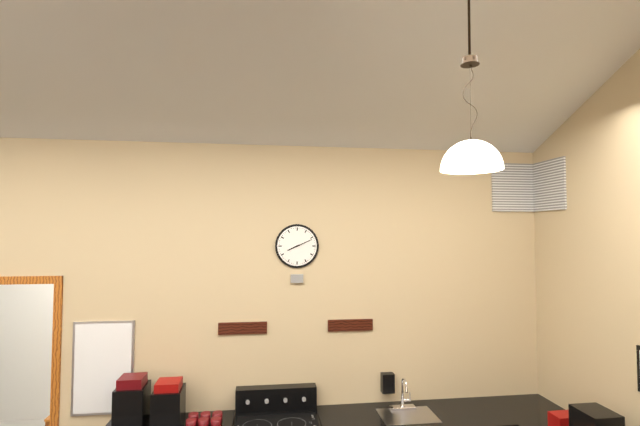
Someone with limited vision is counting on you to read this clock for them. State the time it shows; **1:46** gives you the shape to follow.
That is **8:11**
